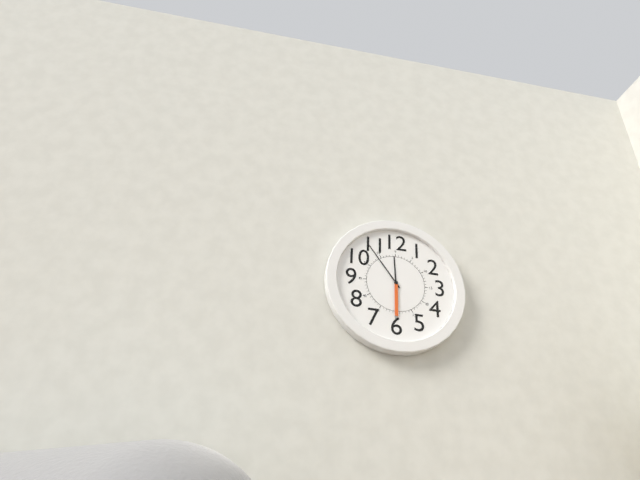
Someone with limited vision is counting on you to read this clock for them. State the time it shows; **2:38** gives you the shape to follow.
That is **11:54**
